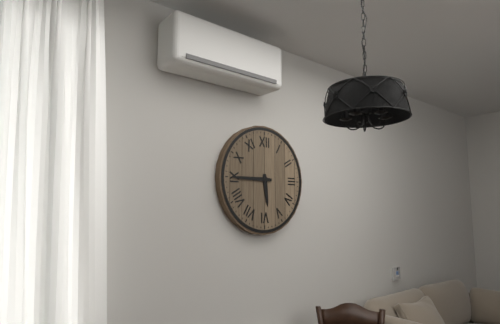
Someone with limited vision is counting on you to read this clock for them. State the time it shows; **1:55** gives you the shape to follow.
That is **5:45**
